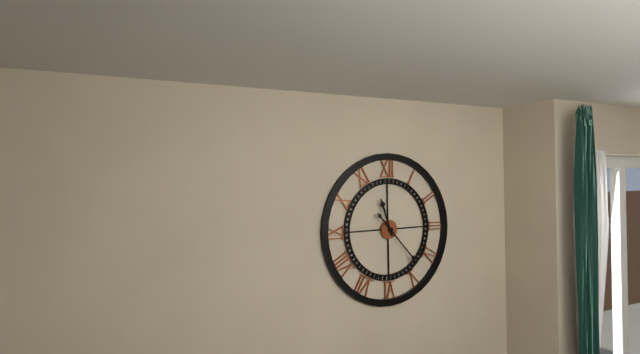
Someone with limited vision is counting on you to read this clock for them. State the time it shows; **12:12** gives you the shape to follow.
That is **11:23**
